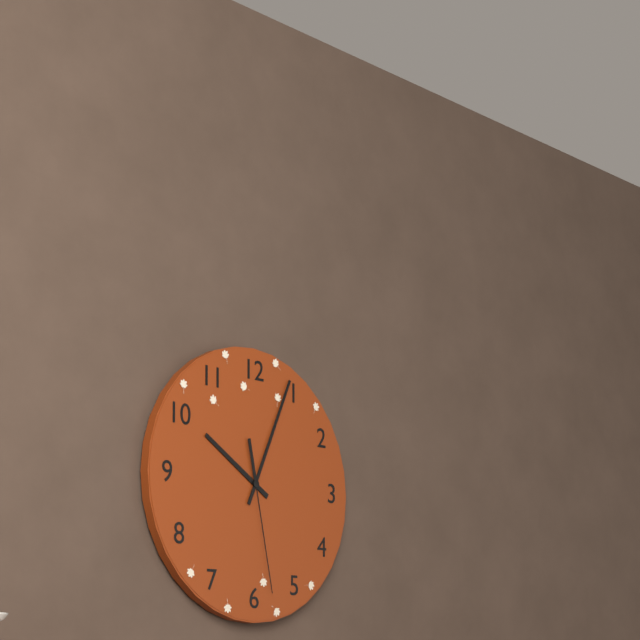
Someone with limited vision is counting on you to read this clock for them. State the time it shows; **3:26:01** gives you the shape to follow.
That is **10:04:28**
